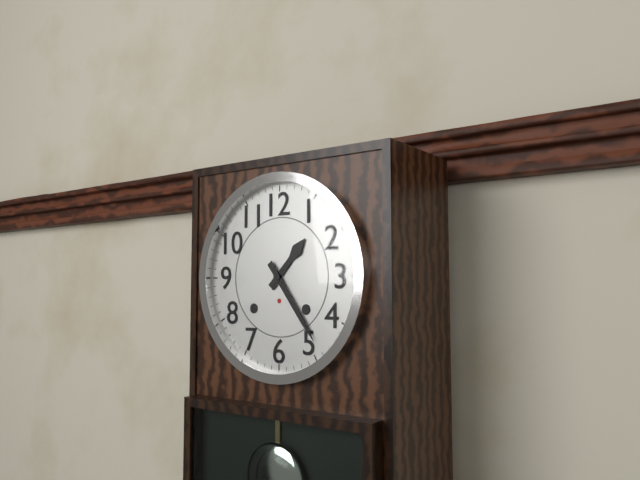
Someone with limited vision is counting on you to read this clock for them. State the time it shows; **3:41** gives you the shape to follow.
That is **1:24**
